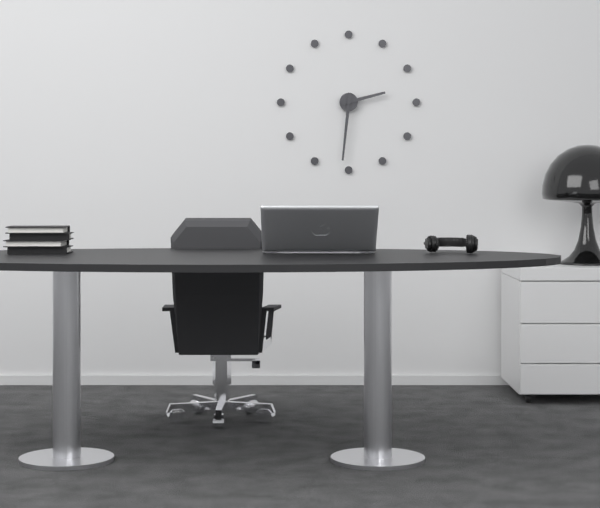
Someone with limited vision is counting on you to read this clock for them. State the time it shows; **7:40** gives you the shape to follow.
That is **2:31**
